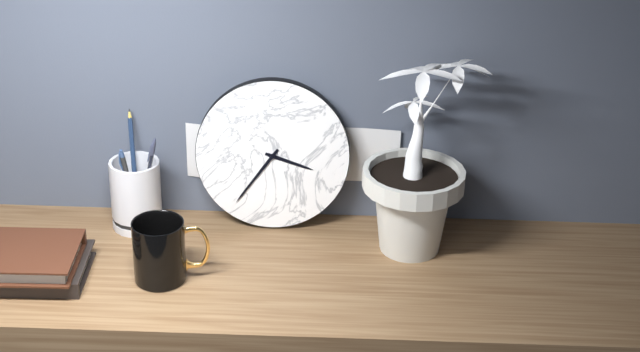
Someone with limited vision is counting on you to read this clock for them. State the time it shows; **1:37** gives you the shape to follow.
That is **3:36**
